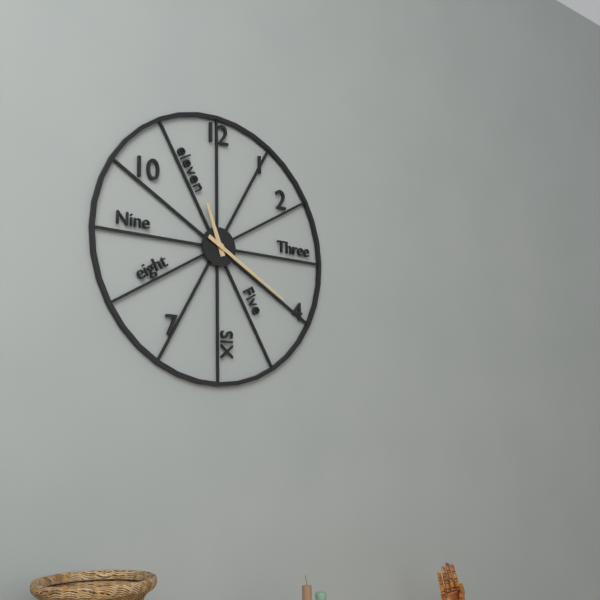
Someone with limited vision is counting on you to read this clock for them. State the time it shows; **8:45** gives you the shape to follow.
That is **11:20**
